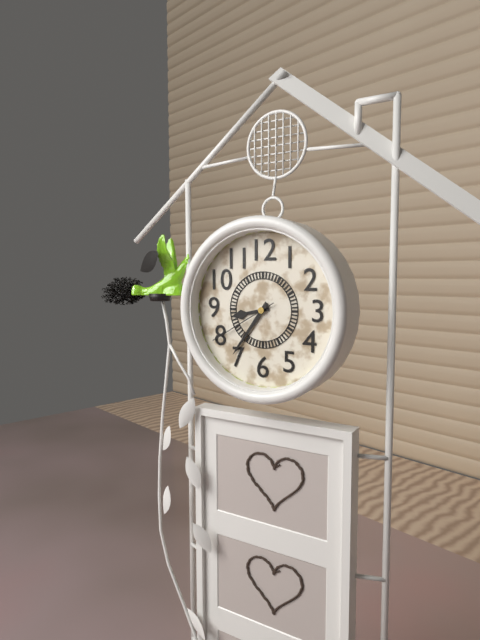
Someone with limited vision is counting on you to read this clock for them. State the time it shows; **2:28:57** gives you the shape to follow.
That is **8:36:40**
